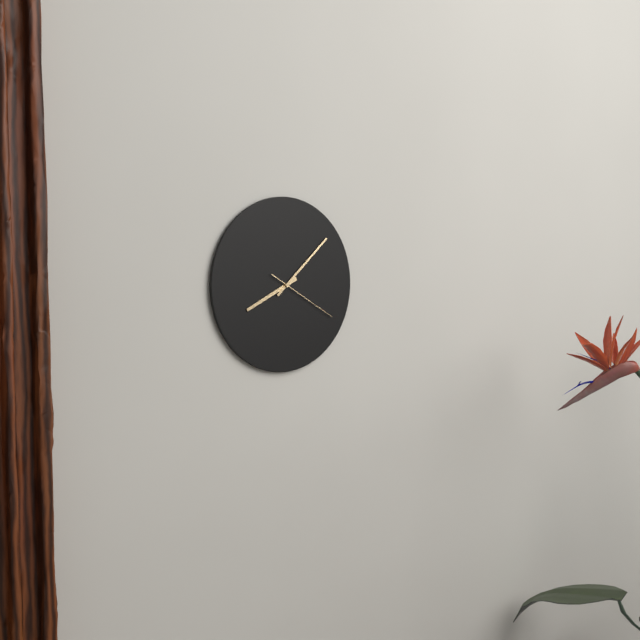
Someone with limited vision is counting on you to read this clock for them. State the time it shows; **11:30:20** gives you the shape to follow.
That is **8:08:20**
